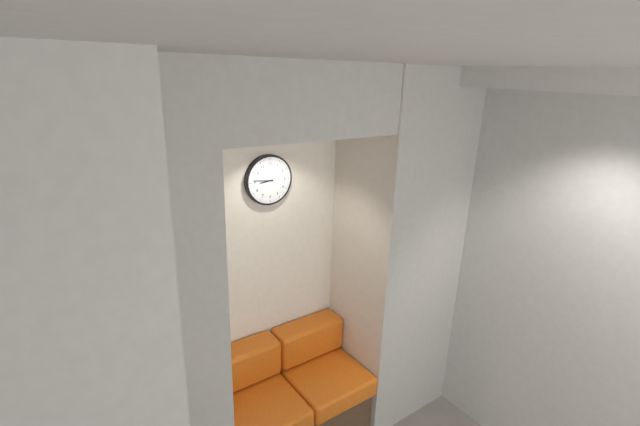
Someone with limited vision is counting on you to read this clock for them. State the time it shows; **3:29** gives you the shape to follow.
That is **8:46**
